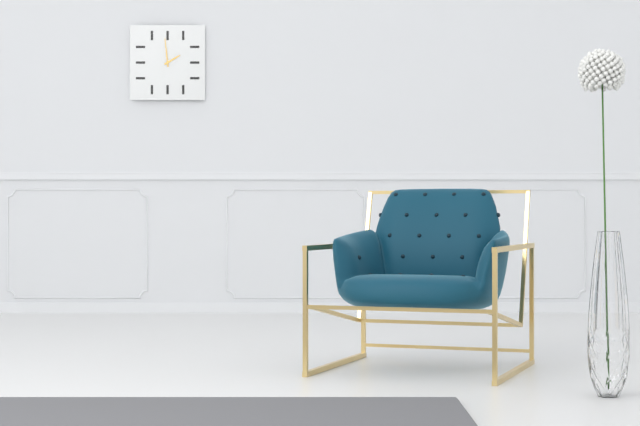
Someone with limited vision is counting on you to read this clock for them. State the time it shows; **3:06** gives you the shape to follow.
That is **1:59**
